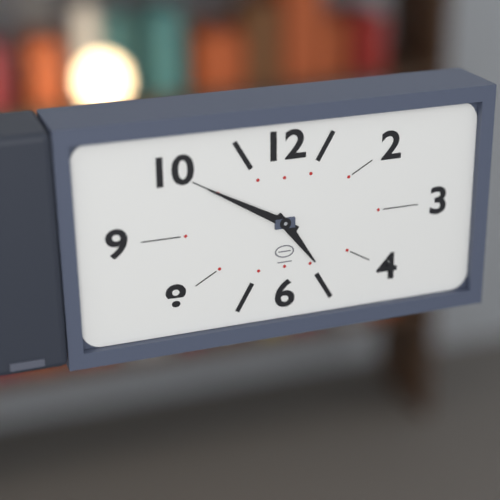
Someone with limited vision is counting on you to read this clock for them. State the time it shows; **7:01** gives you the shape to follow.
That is **4:50**
